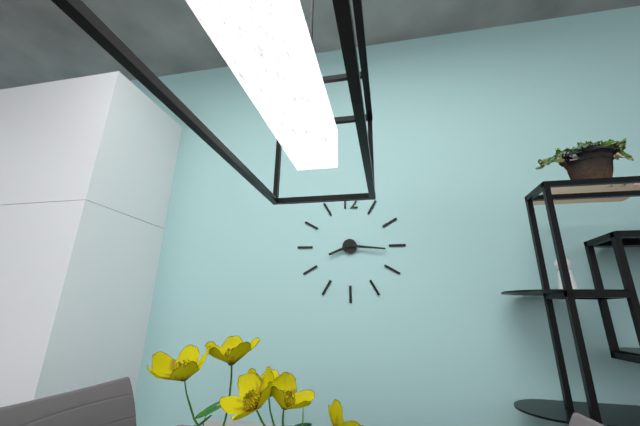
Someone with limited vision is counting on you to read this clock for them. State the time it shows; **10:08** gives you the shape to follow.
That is **8:16**
